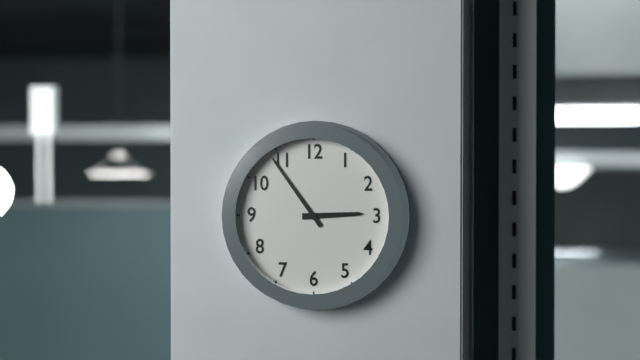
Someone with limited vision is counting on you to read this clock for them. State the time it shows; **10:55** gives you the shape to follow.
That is **2:54**
